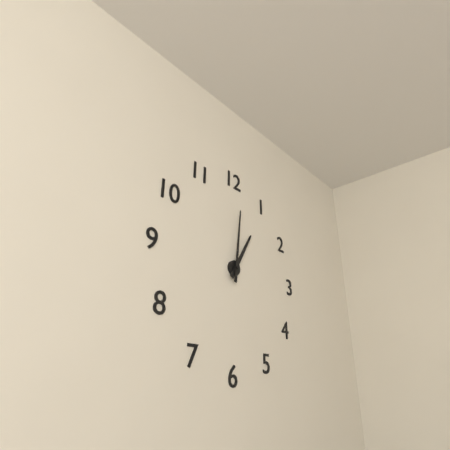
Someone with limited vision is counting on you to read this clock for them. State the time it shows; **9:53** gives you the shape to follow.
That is **1:01**
